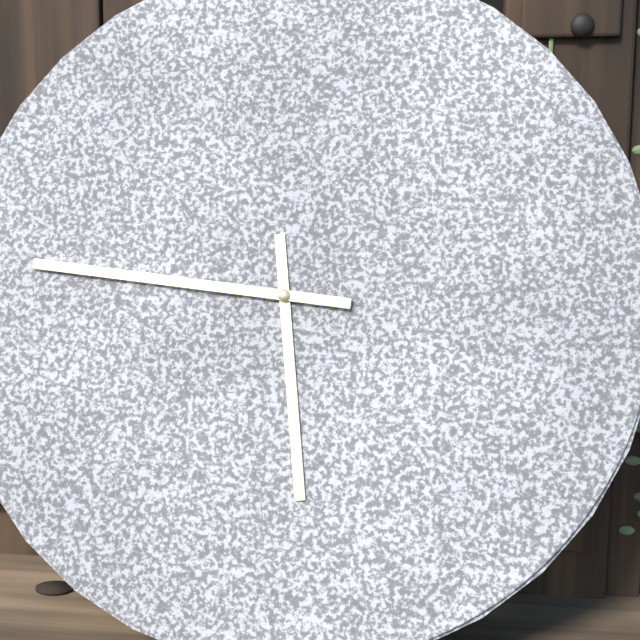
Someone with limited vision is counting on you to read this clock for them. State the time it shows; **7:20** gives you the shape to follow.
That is **5:46**
